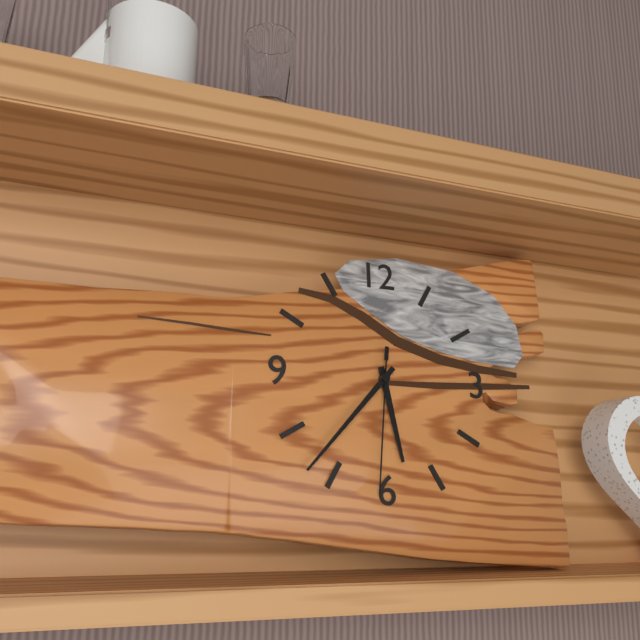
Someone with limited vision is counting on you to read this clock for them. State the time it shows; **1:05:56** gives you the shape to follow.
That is **5:37:31**
